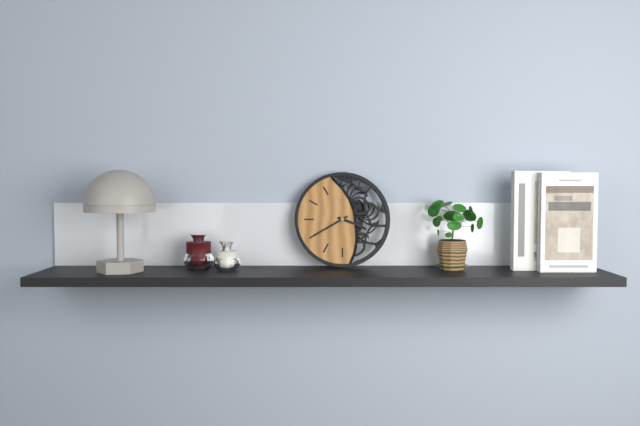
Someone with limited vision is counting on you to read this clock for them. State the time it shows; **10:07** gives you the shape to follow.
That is **3:40**
